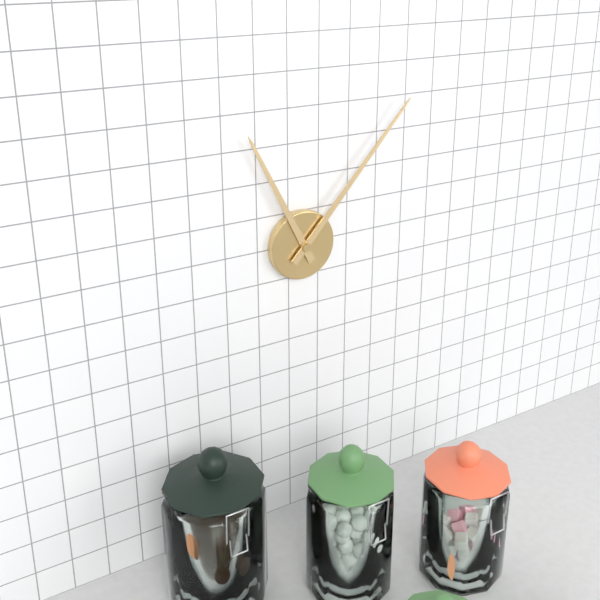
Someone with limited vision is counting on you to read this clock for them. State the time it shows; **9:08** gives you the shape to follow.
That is **11:07**
